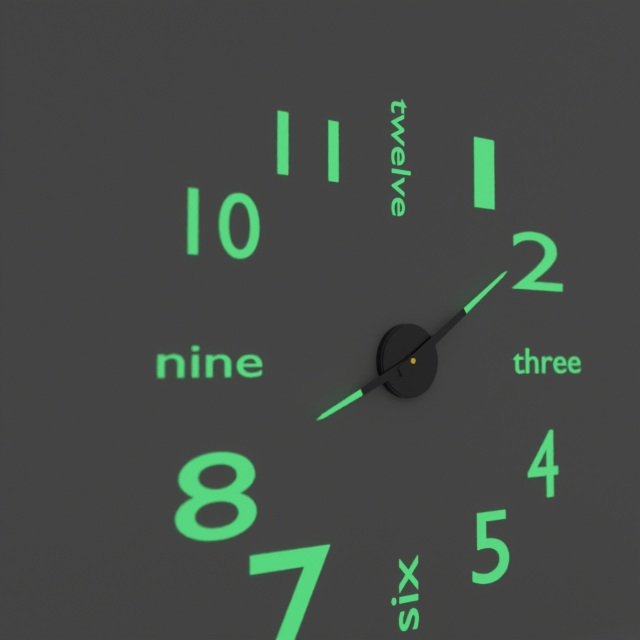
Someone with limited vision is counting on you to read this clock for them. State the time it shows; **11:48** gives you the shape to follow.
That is **8:09**
